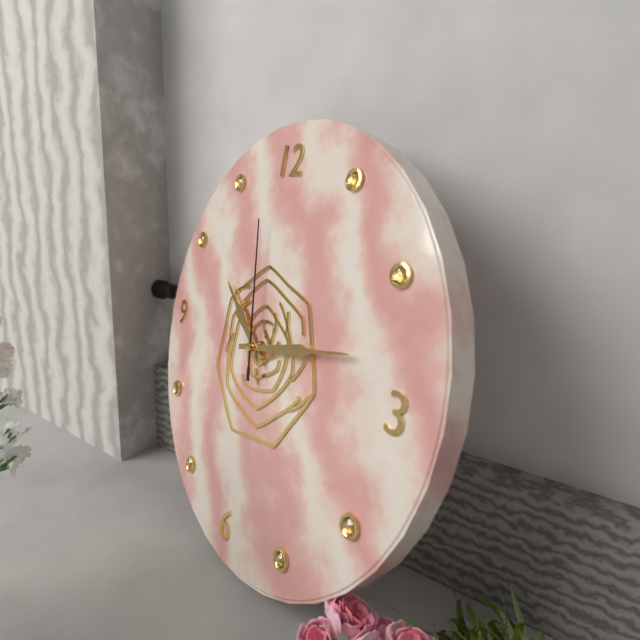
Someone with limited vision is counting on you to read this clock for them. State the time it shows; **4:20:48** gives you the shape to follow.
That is **10:13:58**
